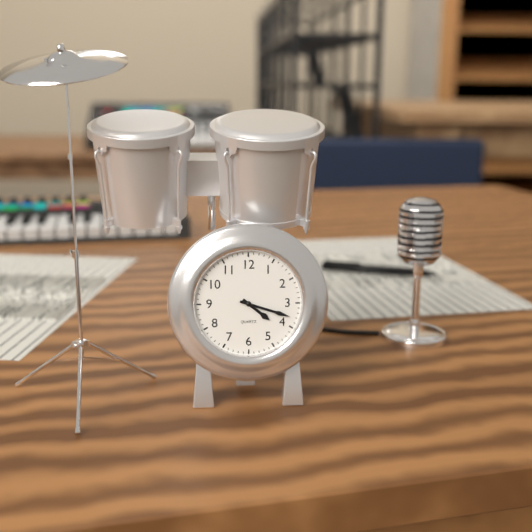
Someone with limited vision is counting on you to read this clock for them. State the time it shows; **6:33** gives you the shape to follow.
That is **4:18**
